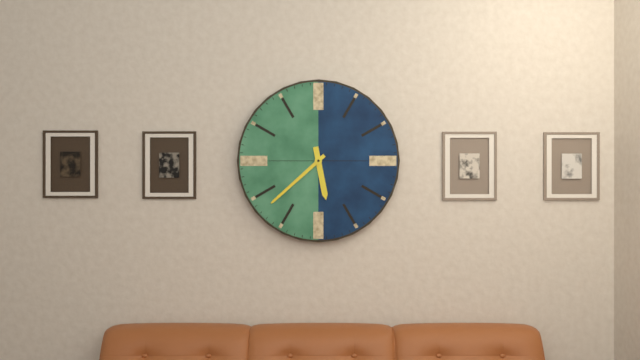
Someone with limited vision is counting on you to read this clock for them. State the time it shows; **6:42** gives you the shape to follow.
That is **5:38**
